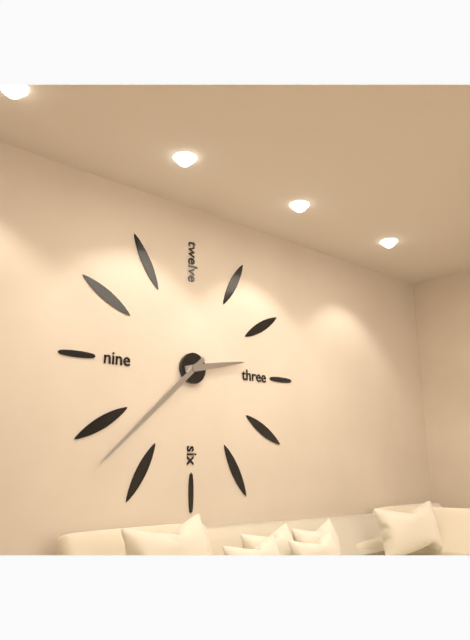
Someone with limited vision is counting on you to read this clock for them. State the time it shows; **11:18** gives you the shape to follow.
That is **2:38**
